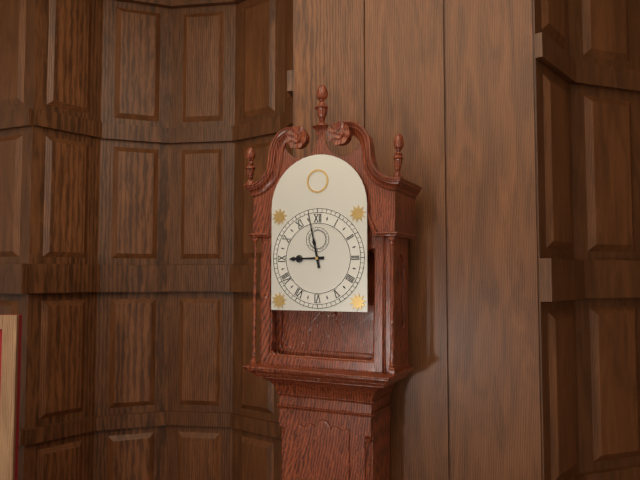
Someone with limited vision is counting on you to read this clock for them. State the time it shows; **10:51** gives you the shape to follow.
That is **8:58**
